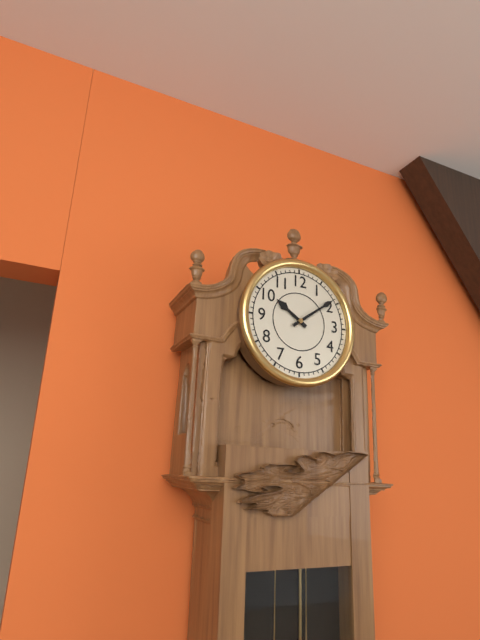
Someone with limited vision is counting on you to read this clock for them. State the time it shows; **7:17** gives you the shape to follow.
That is **10:09**
